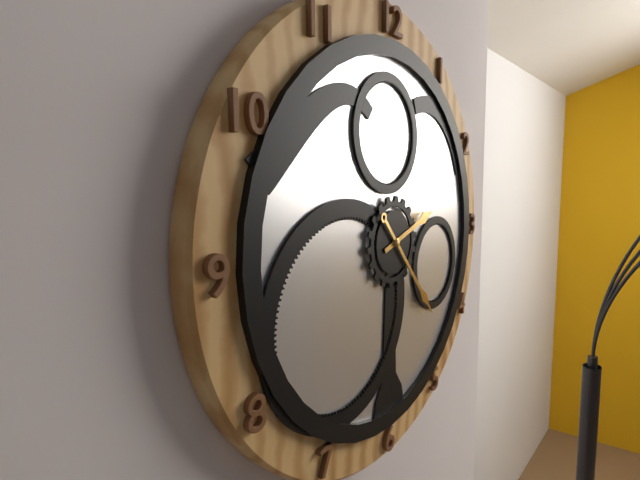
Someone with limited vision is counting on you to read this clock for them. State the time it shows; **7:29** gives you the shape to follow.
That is **2:23**
